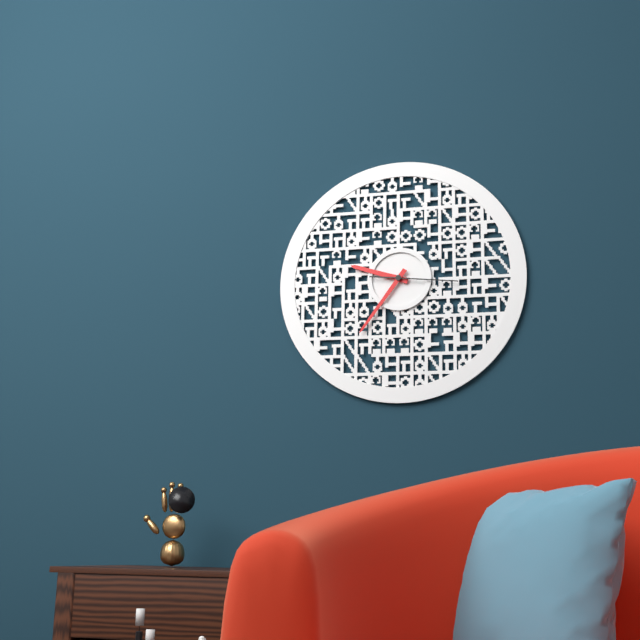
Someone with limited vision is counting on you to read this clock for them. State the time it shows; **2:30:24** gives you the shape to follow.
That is **9:36:16**
